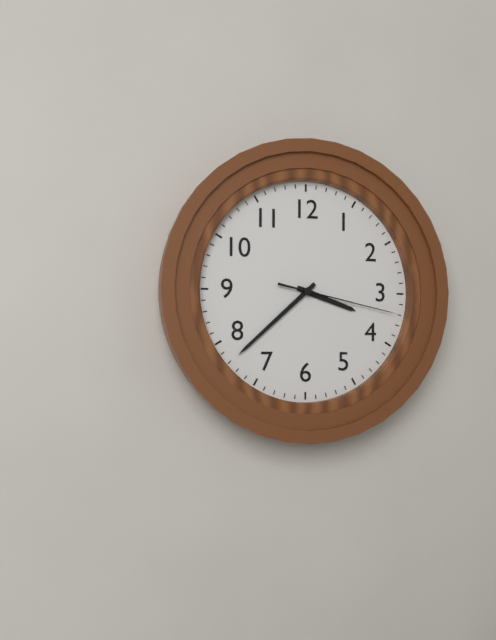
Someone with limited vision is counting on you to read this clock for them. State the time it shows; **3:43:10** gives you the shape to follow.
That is **3:38:17**
